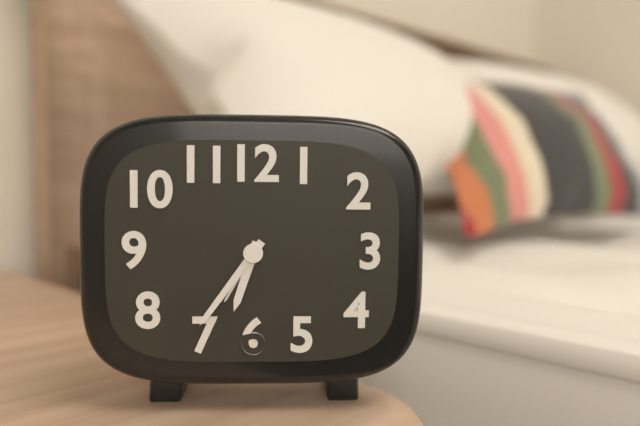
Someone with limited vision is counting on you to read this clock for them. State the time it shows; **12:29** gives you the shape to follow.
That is **6:36**
